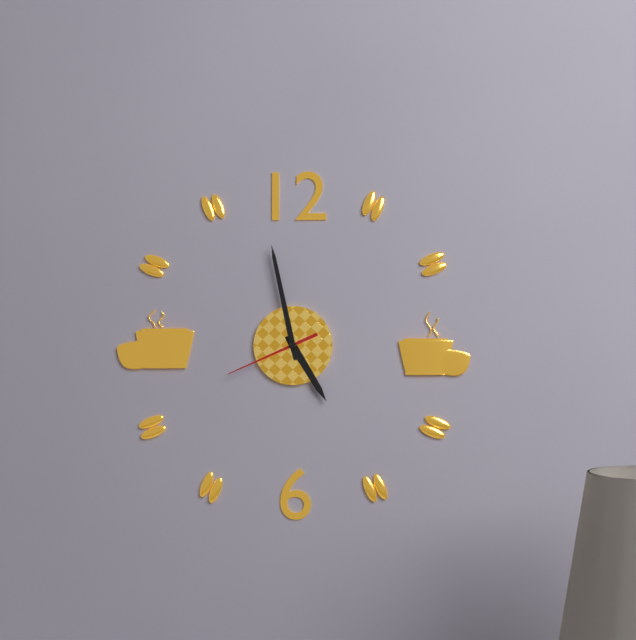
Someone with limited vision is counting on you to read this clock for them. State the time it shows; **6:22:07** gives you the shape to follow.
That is **4:58:41**
